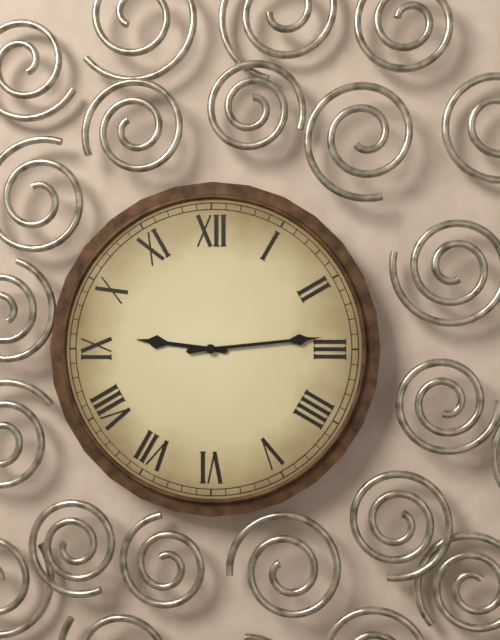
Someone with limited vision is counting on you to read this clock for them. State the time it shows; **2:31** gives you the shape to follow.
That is **9:14**
